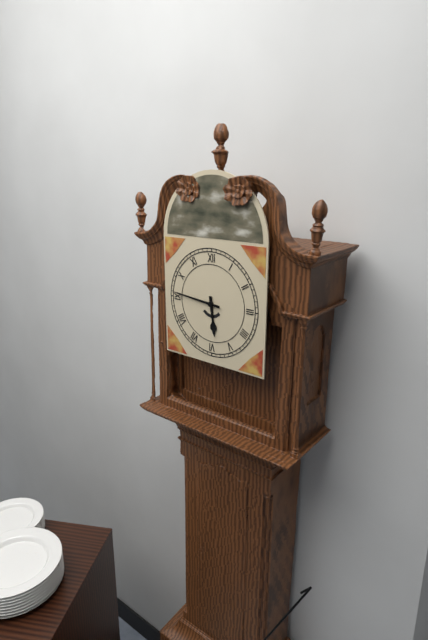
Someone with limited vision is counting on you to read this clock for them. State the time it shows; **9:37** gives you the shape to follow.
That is **5:46**
